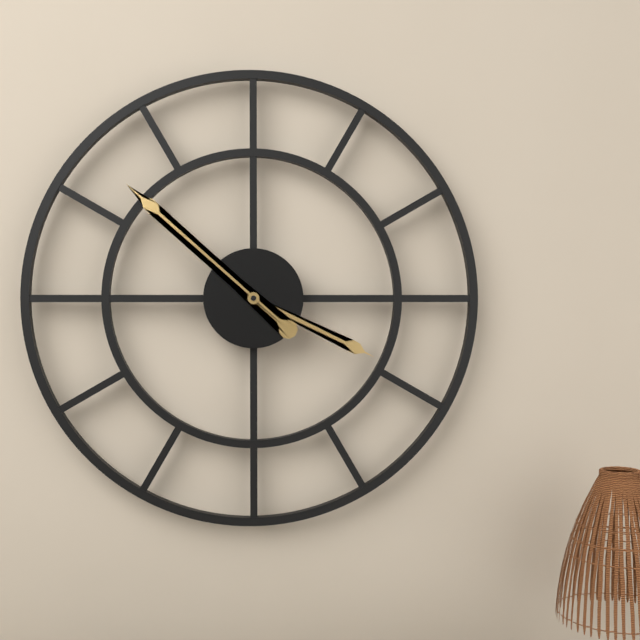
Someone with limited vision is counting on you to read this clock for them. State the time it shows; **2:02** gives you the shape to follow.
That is **3:52**
